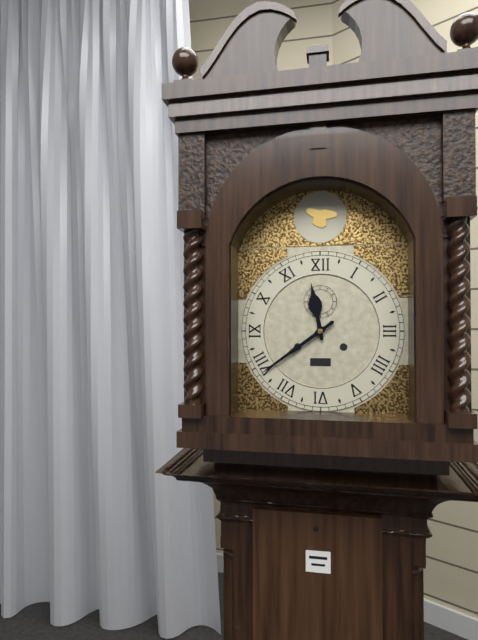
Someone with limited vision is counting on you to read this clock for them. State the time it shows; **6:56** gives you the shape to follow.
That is **11:39**
